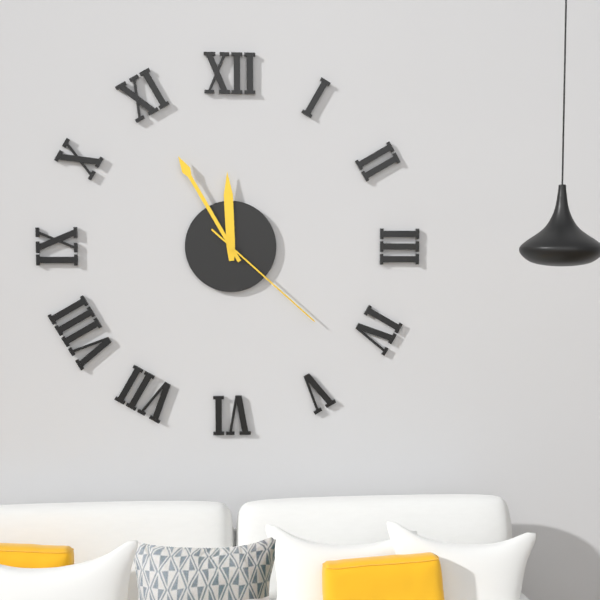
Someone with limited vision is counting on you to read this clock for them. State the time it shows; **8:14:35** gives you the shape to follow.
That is **11:55:22**
